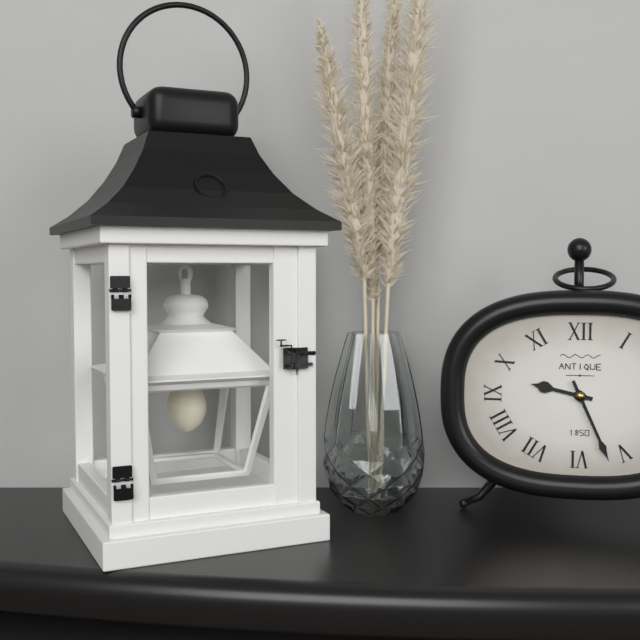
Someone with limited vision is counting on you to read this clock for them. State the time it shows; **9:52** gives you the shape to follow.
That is **9:26**
